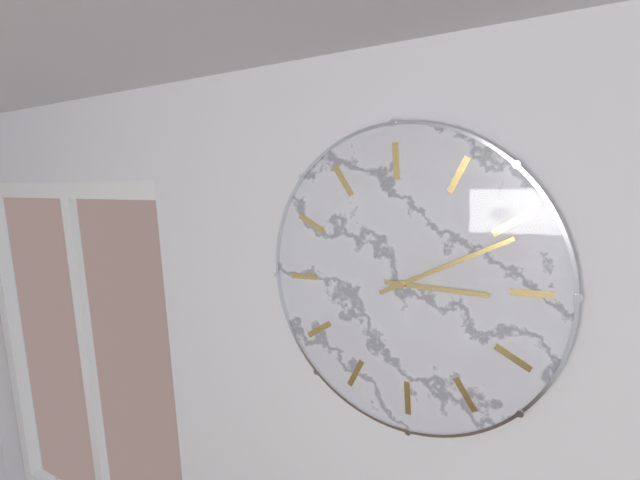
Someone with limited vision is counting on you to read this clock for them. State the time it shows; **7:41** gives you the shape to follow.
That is **2:06**
